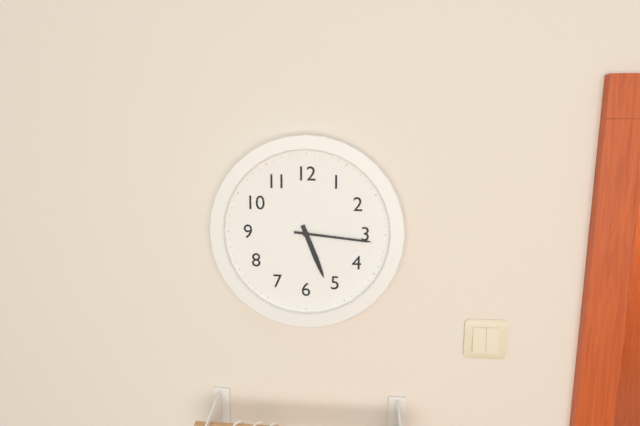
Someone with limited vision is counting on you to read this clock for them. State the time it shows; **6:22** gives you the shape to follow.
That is **5:16**
